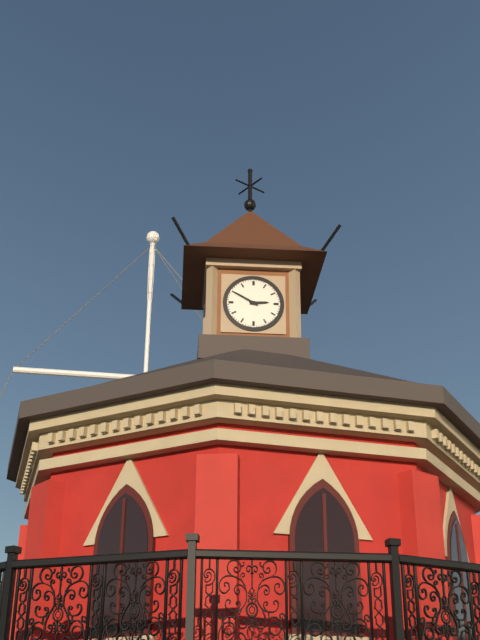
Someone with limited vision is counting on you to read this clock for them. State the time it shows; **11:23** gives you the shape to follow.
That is **2:50**
